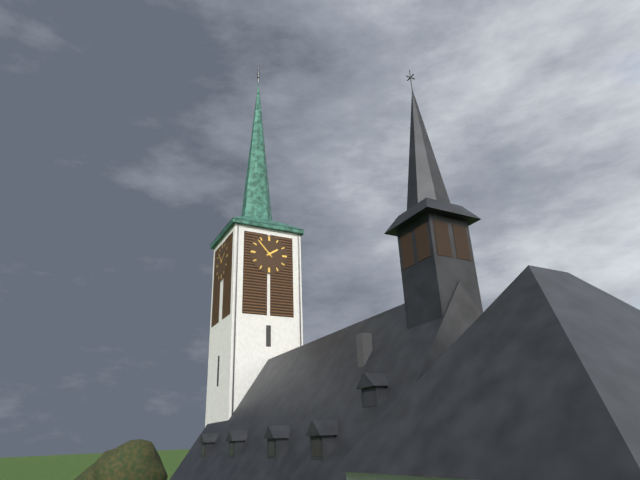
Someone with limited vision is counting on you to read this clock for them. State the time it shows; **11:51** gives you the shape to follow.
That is **1:53**
